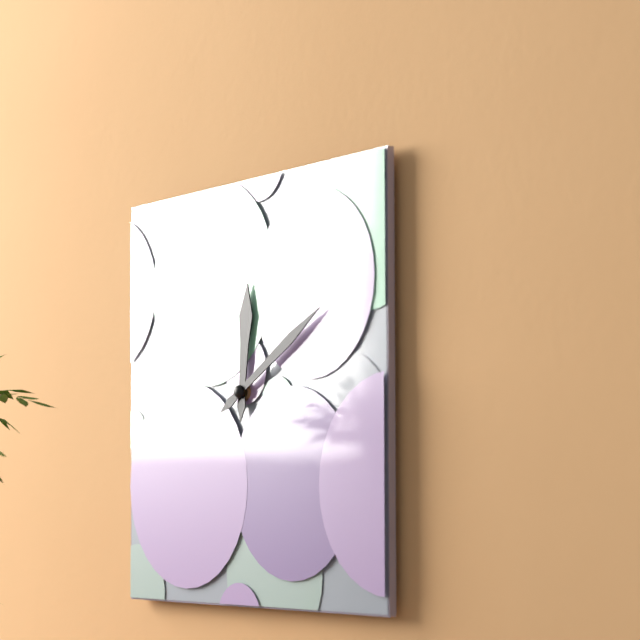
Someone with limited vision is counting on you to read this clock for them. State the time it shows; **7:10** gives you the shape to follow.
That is **12:10**
